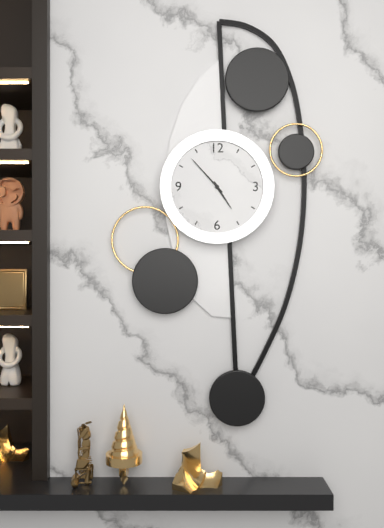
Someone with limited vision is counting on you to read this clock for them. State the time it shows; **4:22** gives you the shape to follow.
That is **4:53**
